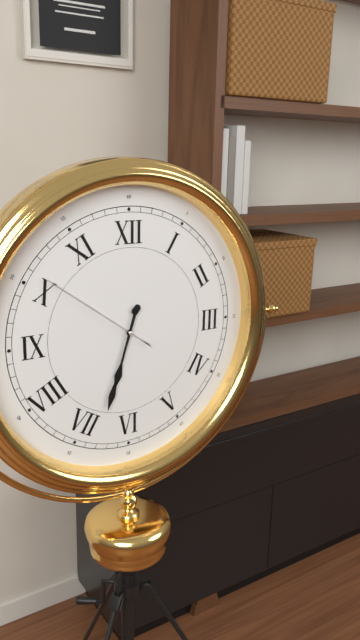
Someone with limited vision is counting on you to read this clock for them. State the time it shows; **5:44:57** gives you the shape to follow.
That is **6:33:51**
